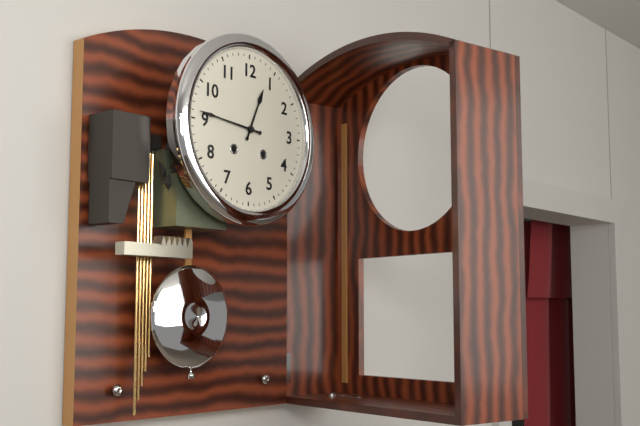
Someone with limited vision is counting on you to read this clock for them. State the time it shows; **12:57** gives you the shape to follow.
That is **12:46**
